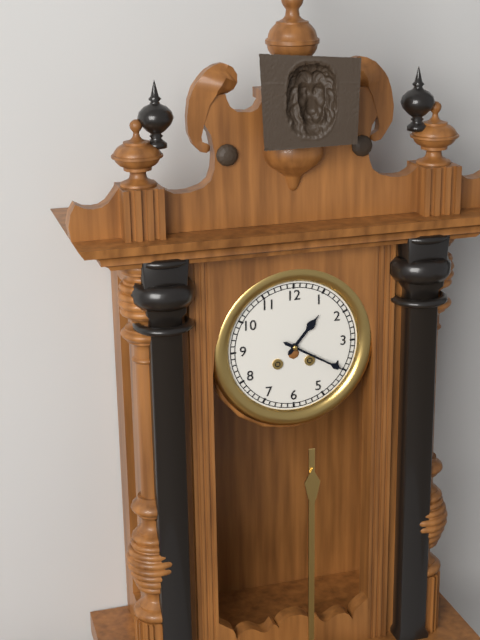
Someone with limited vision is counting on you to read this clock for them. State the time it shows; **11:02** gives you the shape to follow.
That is **1:20**
